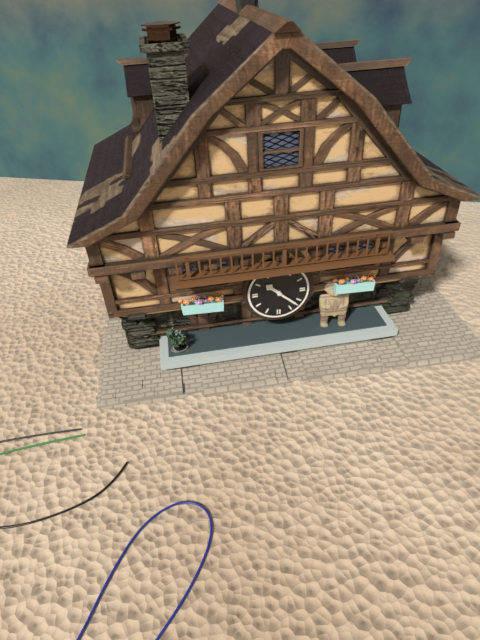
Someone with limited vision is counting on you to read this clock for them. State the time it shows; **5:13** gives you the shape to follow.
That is **10:22**
